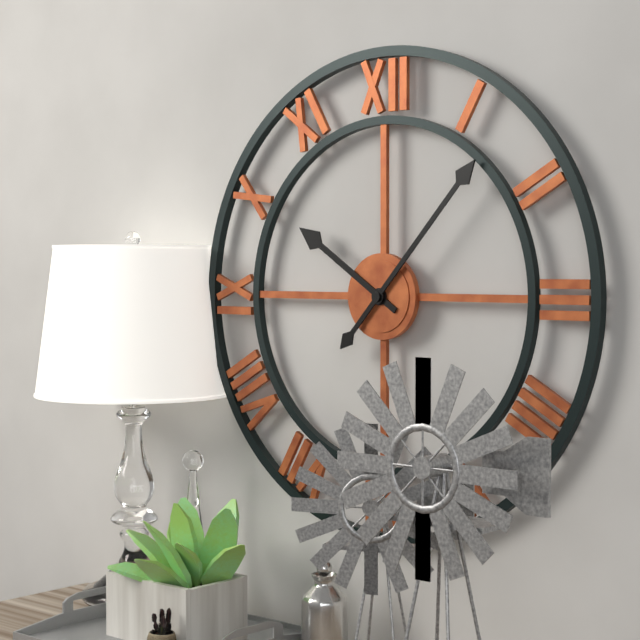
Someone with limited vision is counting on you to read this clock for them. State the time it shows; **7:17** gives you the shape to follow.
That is **10:07**
